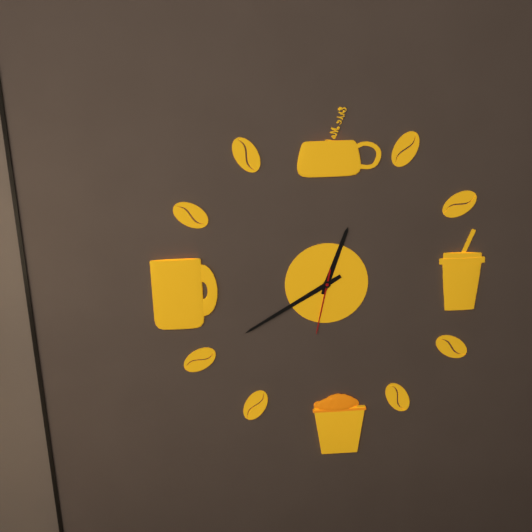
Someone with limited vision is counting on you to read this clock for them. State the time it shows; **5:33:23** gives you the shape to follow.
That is **12:40:32**
